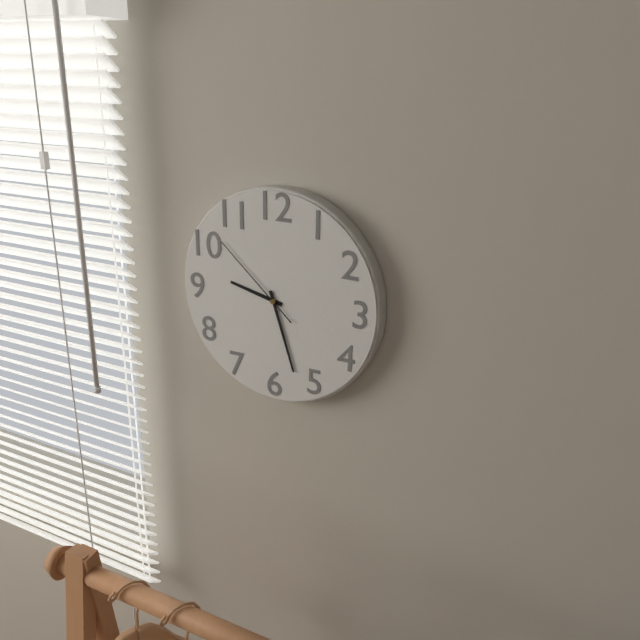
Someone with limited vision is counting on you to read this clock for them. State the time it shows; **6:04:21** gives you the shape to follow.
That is **9:27:52**
